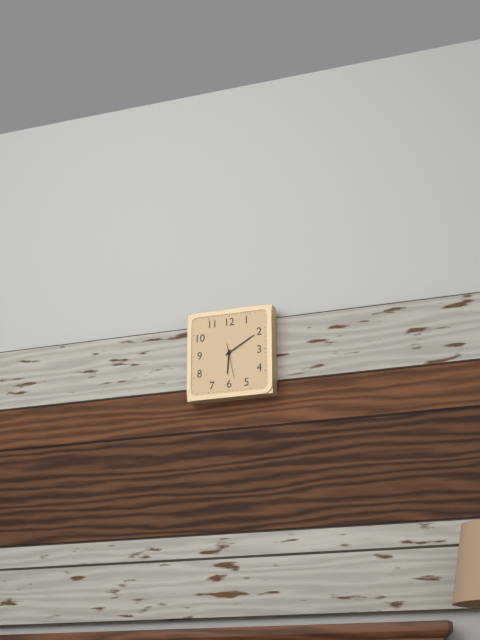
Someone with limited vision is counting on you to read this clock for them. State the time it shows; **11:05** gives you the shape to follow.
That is **6:10**
